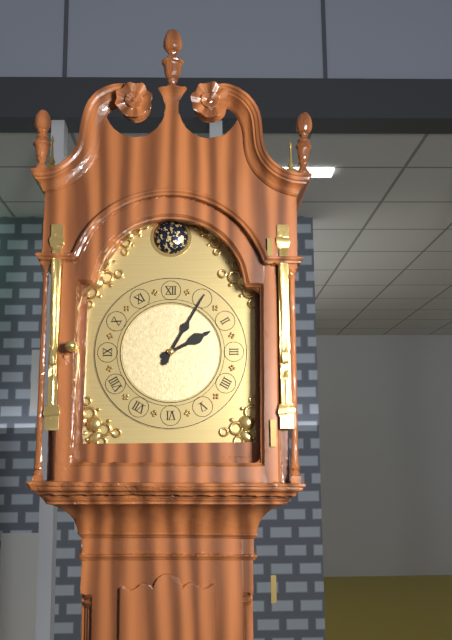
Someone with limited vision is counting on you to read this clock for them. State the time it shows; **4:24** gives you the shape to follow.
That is **2:05**
